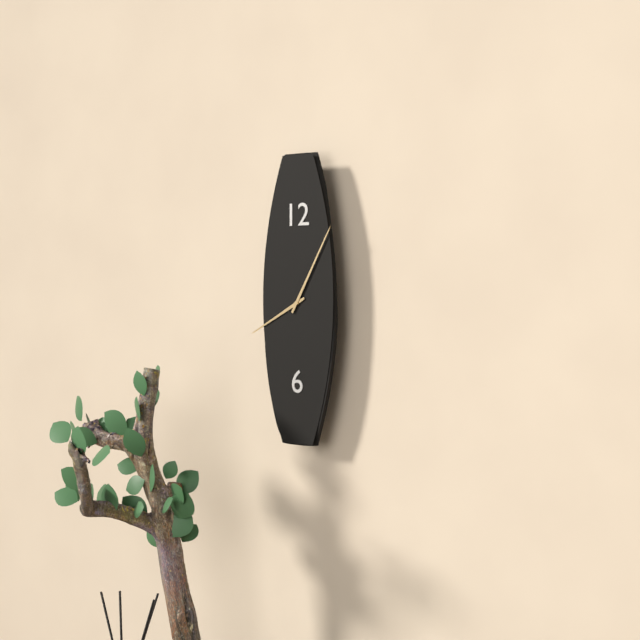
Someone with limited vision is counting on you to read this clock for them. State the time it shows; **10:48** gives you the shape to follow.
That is **8:05**
